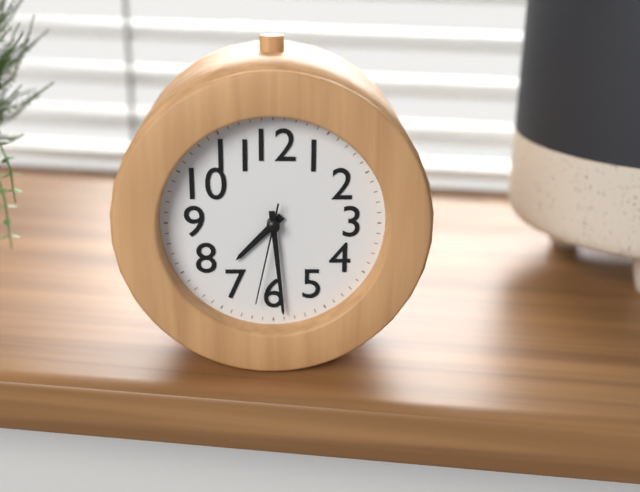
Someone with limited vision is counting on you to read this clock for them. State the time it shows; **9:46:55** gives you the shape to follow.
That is **7:29:32**
